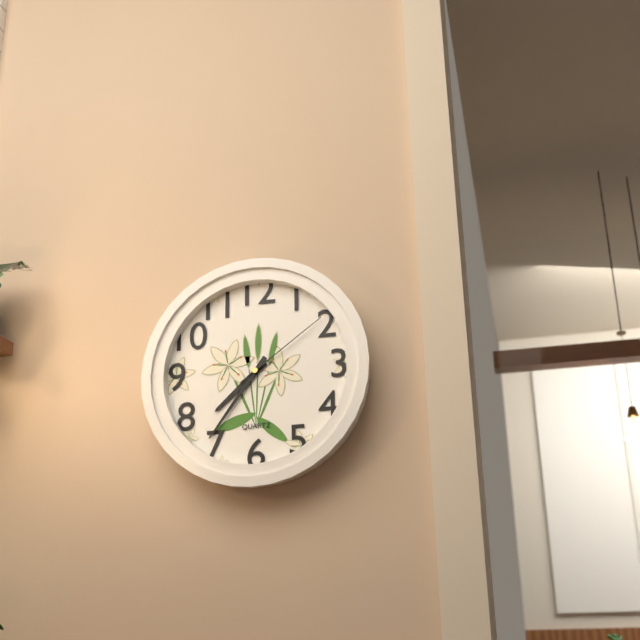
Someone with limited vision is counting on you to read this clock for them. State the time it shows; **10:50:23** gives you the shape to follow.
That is **7:36:09**
